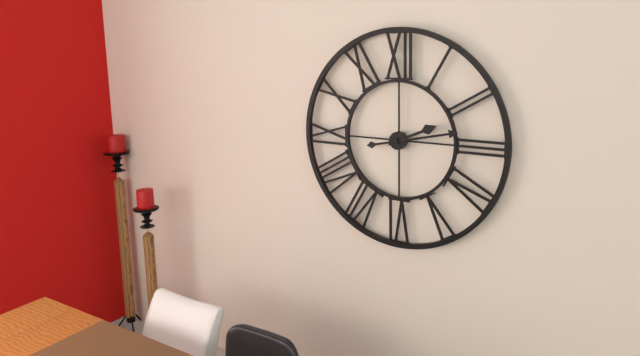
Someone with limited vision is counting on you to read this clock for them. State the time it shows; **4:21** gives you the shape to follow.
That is **2:13**
